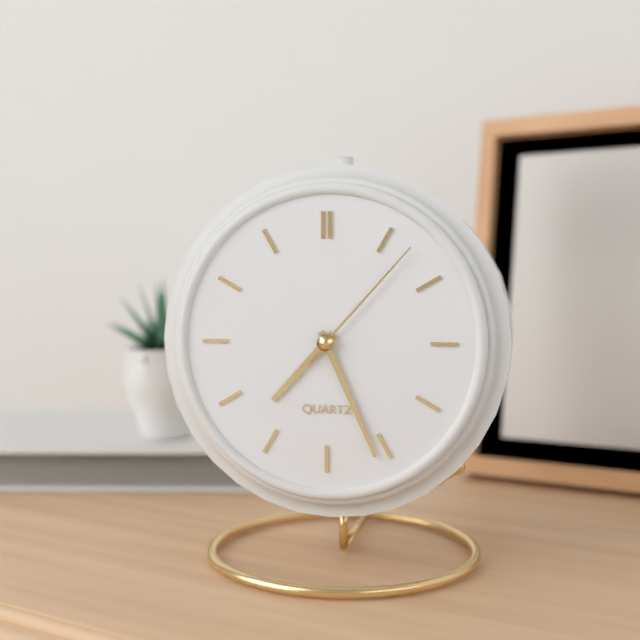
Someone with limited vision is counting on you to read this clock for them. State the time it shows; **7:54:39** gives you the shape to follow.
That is **7:26:07**
